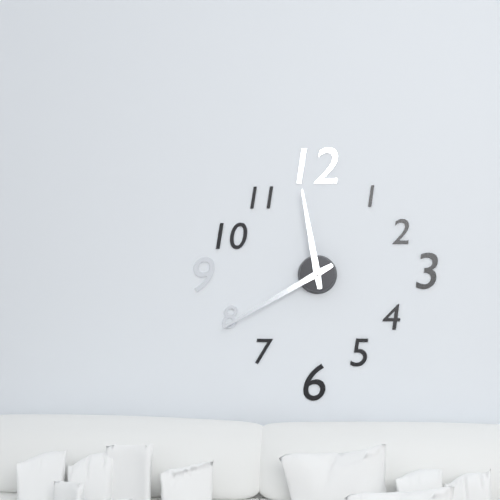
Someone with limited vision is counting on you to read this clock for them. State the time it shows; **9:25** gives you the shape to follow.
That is **11:40**
